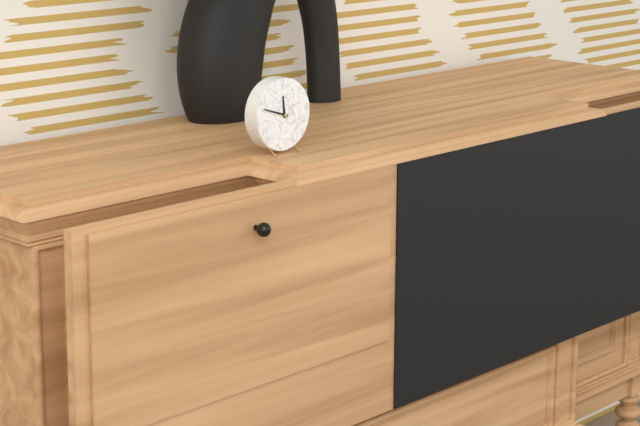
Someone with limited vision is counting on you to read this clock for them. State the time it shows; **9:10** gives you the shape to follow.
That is **11:48**
